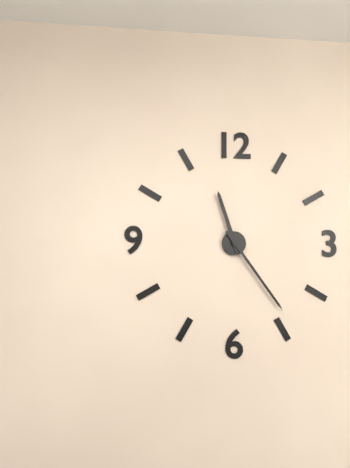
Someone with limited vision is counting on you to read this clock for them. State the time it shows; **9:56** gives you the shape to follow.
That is **11:24**
